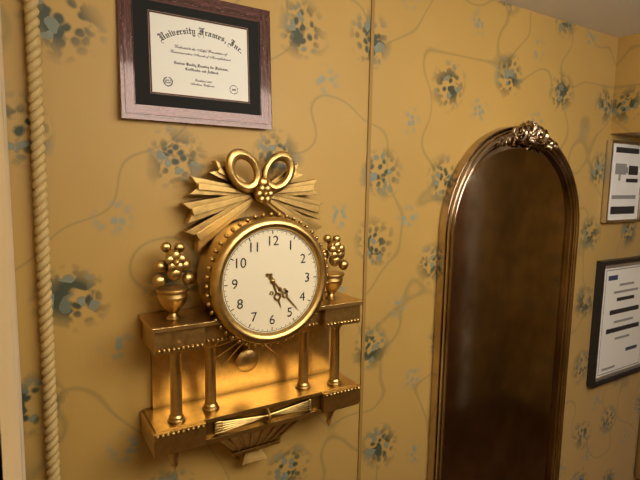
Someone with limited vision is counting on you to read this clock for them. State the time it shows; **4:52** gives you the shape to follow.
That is **5:23**
